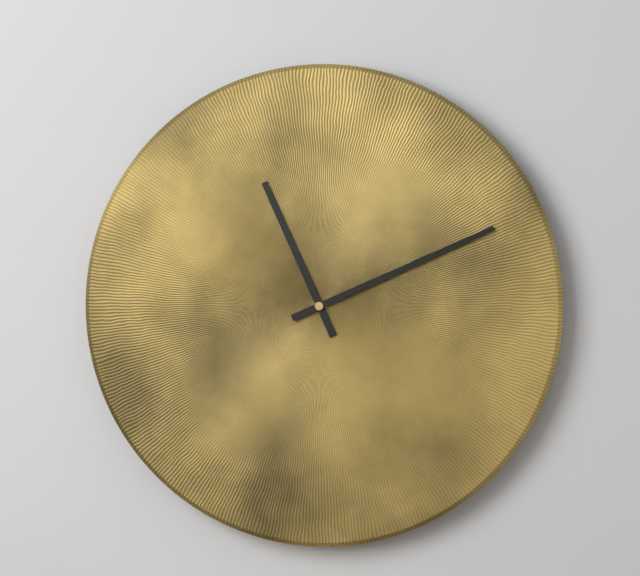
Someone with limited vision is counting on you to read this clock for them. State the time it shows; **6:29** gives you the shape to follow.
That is **11:11**
